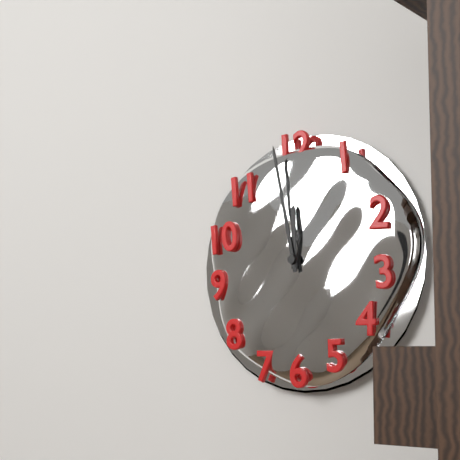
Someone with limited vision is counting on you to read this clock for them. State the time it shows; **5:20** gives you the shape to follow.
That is **11:58**
